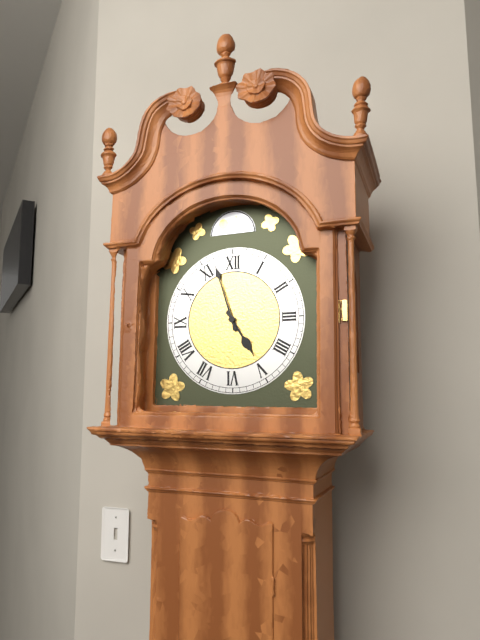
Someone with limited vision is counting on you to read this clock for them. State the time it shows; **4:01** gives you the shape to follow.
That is **4:57**
